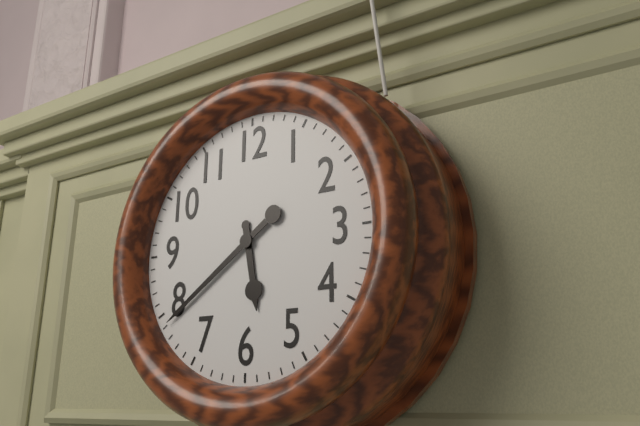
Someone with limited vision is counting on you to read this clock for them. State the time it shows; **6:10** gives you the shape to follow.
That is **5:39**
